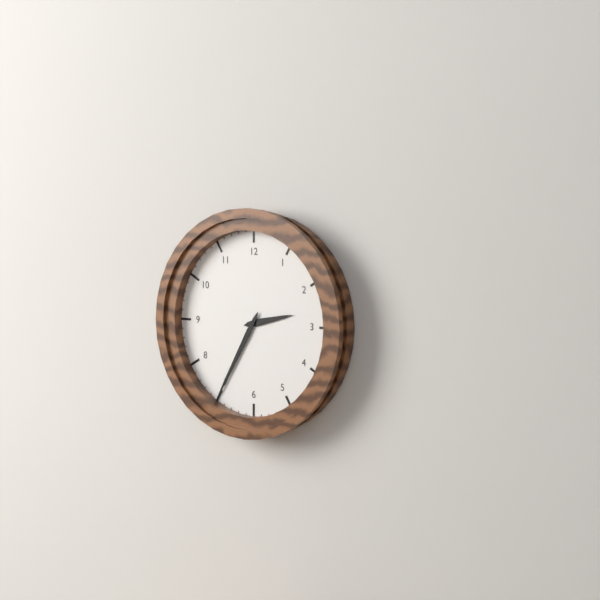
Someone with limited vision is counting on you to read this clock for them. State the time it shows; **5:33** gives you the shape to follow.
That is **2:35**
